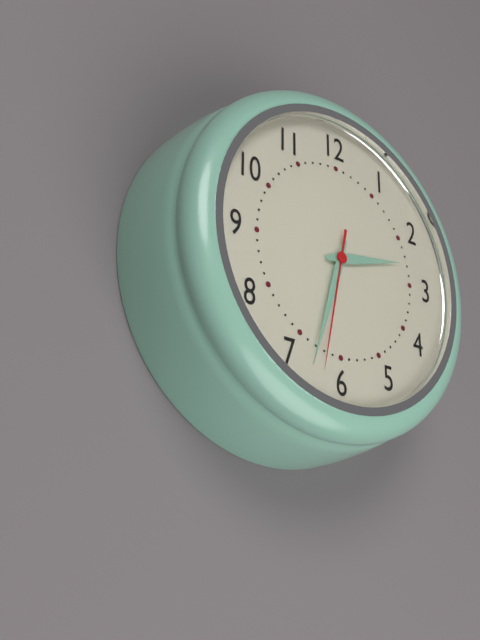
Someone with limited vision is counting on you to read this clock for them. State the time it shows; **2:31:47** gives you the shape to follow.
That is **2:33:32**
